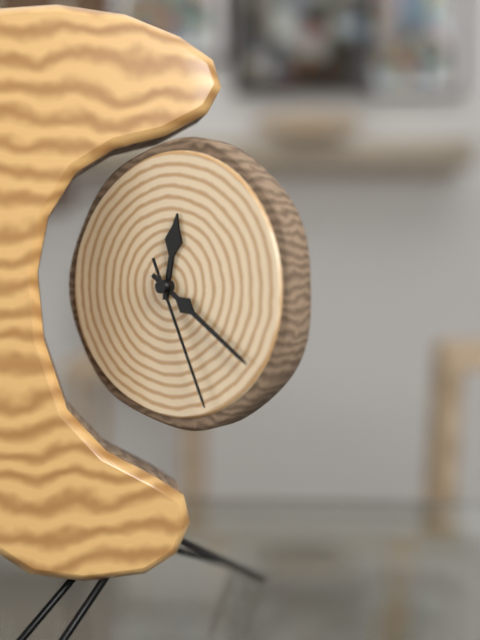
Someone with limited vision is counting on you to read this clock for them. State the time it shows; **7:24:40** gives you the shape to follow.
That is **12:21:26**
